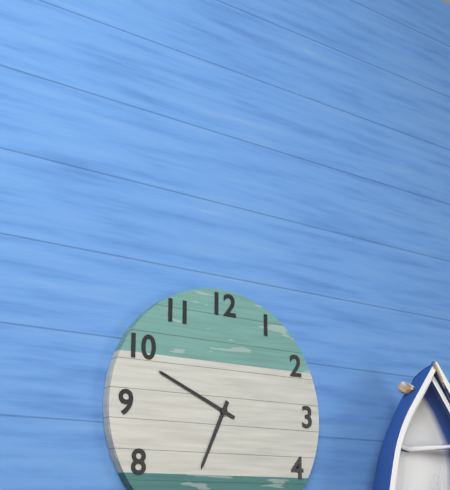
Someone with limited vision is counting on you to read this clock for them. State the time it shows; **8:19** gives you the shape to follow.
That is **6:49**
